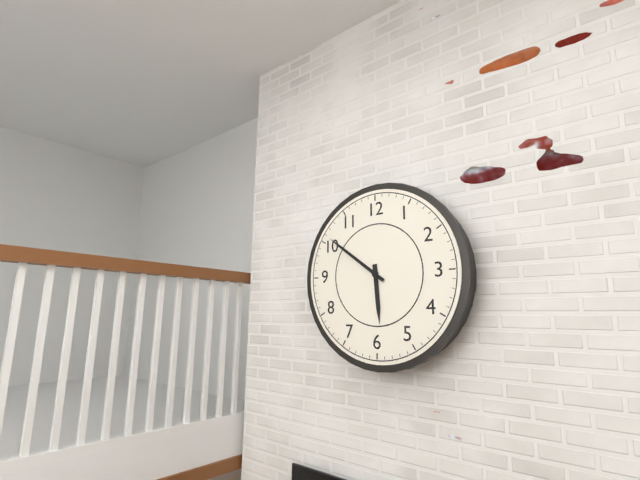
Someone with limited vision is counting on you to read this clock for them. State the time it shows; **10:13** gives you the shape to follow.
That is **5:51**
